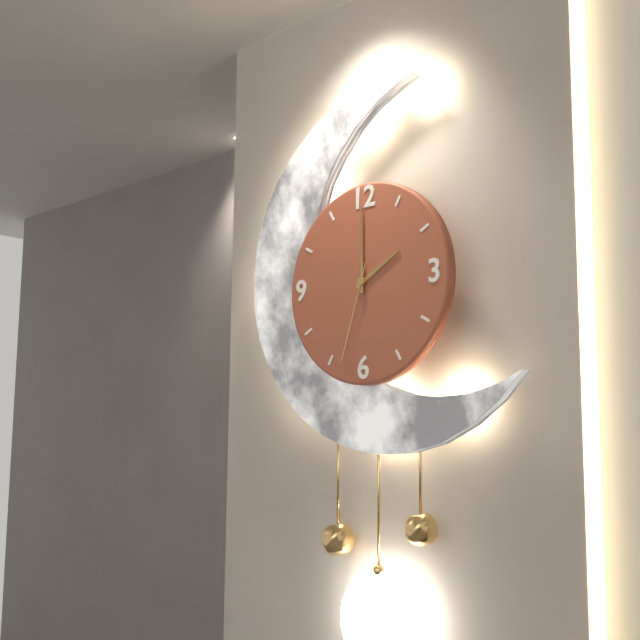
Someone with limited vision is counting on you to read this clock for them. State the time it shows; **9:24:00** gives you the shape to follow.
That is **2:00:33**
